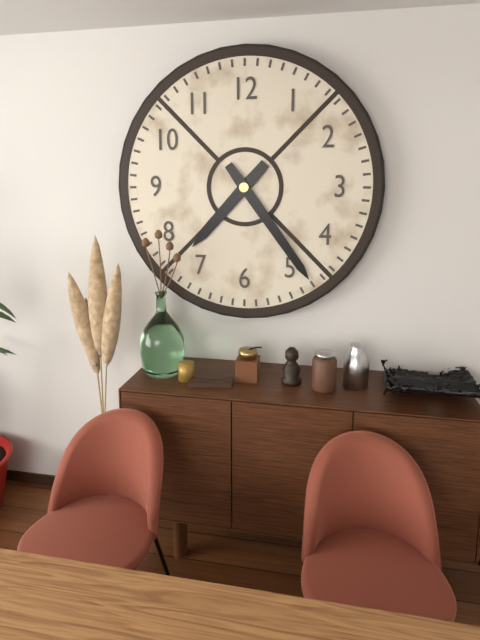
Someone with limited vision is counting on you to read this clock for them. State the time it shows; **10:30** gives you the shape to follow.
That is **7:24**
